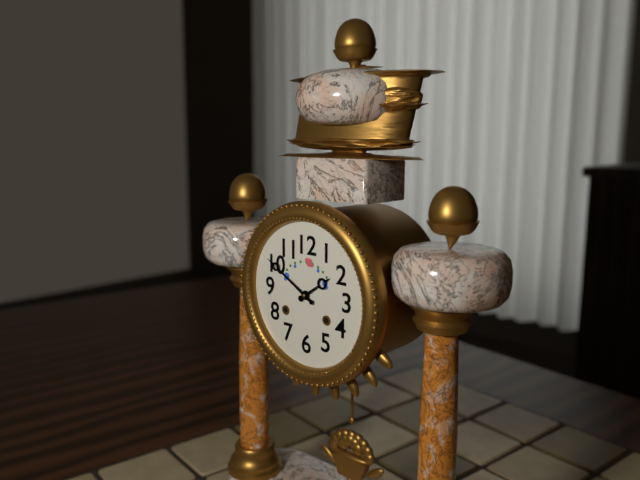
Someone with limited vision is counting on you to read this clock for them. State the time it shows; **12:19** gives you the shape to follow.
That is **1:50**
